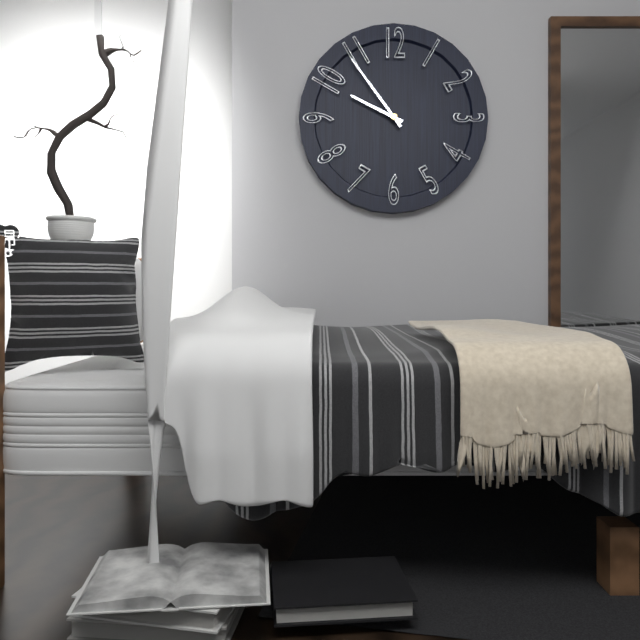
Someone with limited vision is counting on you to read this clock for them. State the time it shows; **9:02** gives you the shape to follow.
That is **9:54**
